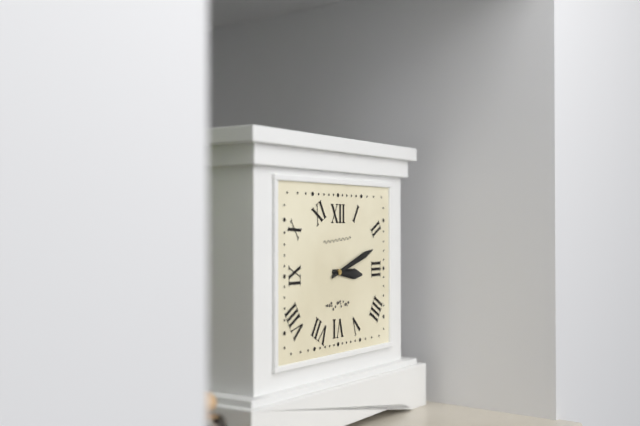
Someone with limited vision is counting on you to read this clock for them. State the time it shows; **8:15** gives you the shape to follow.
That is **3:12**
